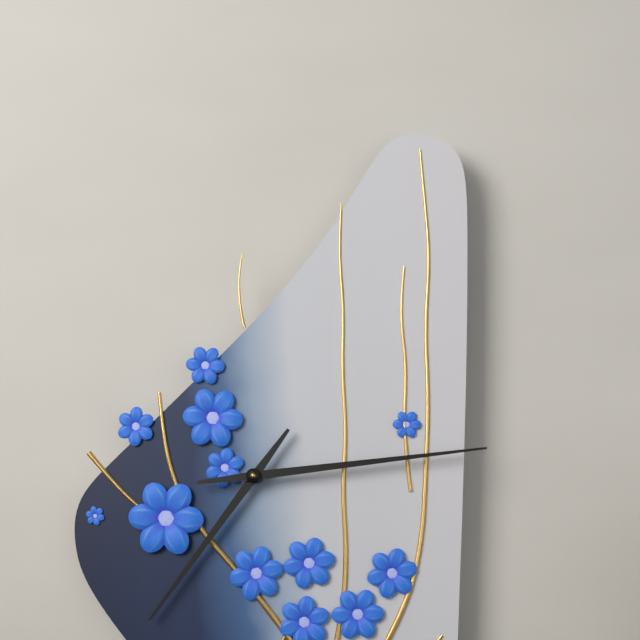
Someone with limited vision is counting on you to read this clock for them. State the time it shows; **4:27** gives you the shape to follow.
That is **7:14**
